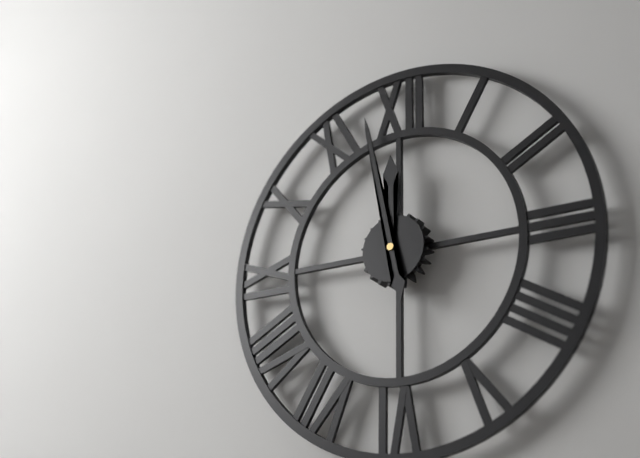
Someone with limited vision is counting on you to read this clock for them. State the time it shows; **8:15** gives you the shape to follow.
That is **11:58**
